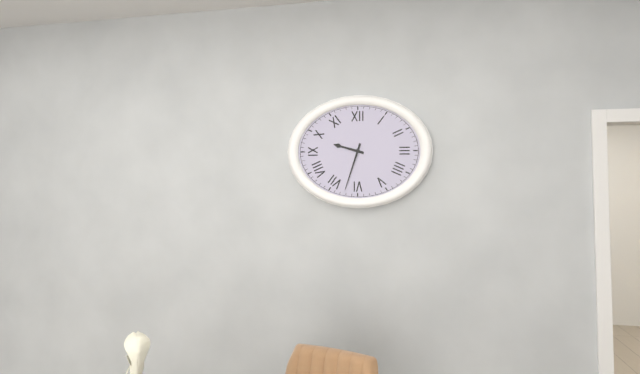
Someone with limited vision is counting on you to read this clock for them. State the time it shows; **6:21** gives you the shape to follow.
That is **9:33**
